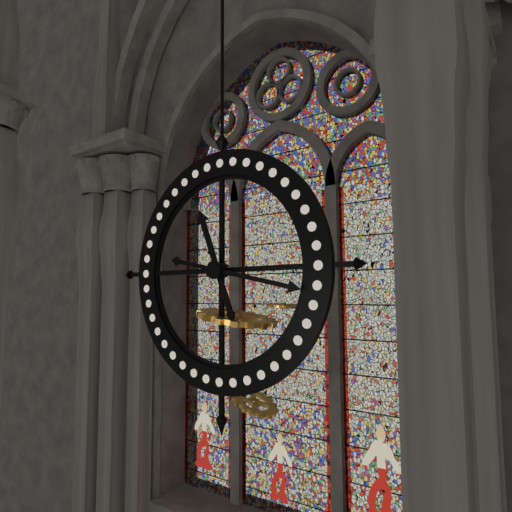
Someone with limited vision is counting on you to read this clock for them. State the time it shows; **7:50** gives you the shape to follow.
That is **11:17**
